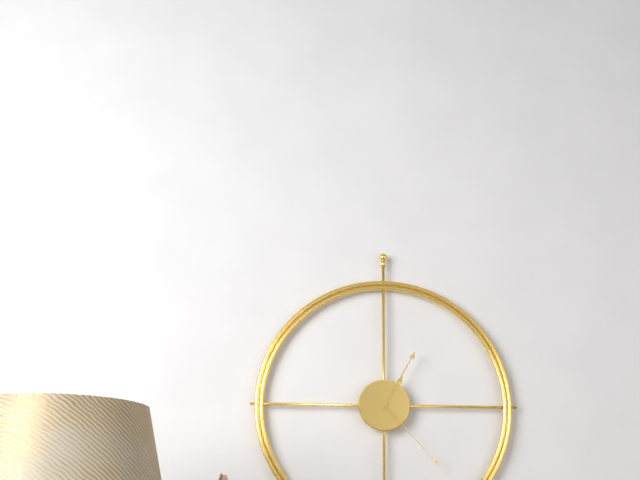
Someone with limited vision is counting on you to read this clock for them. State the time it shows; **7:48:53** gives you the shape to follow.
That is **1:05:23**
